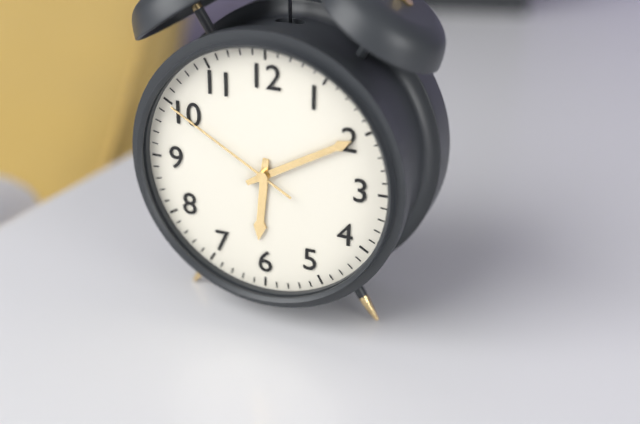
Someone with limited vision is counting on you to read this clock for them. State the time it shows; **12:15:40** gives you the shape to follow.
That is **6:10:50**
